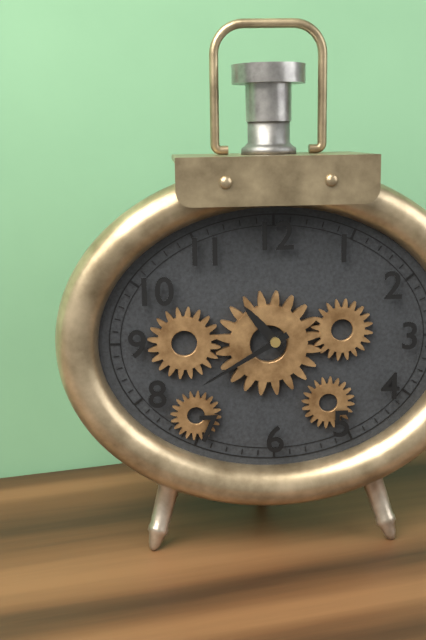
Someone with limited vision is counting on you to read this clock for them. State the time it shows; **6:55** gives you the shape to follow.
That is **10:40**
